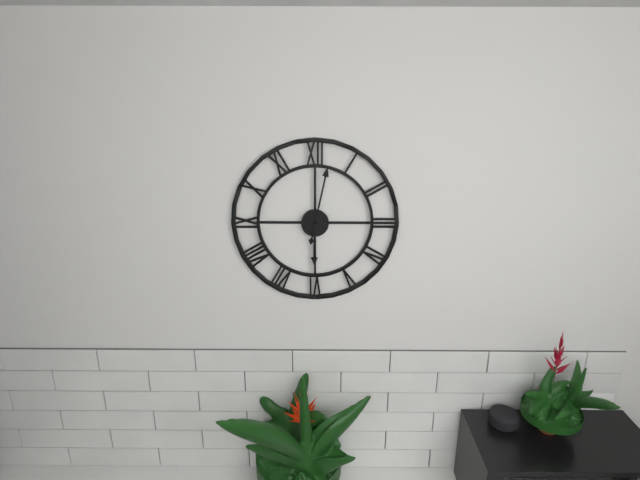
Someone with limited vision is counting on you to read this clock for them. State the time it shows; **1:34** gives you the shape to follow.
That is **6:02**
